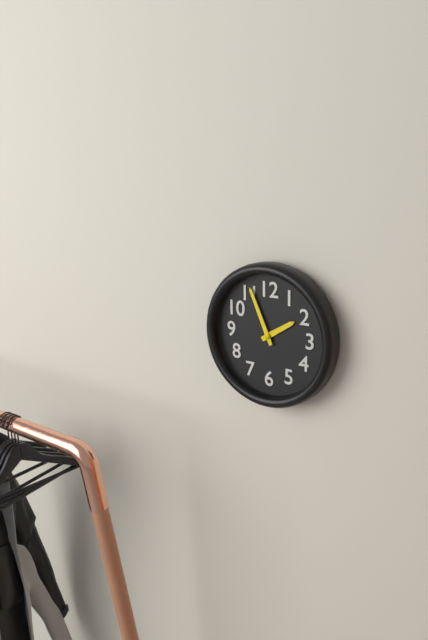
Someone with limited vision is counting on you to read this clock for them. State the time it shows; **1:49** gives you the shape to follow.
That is **1:56**
